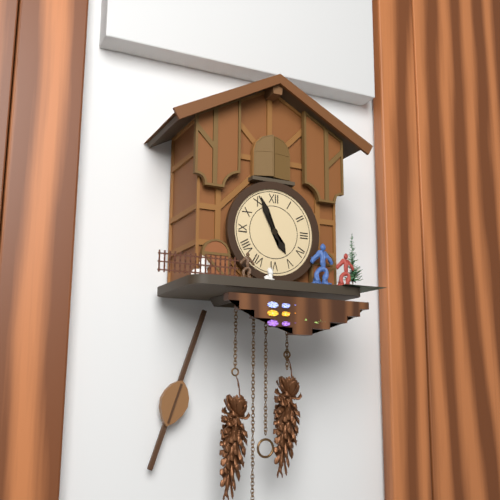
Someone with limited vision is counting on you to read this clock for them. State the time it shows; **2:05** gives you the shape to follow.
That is **4:56**
